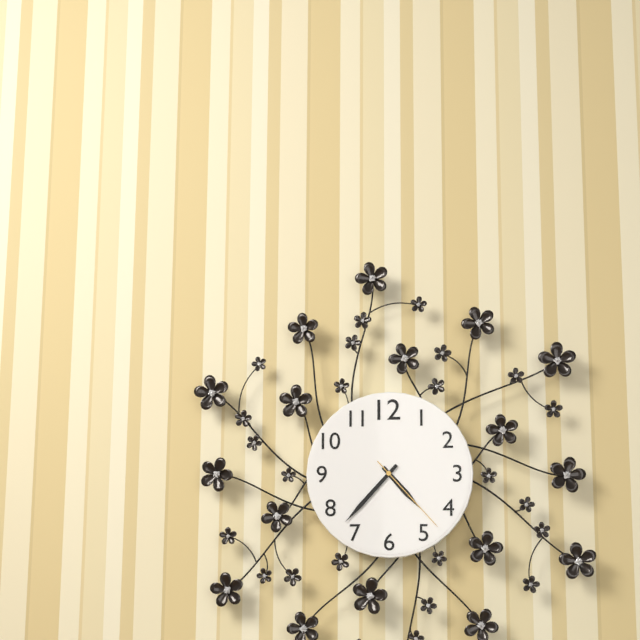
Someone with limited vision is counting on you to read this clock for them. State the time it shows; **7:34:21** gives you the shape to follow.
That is **4:37:23**
